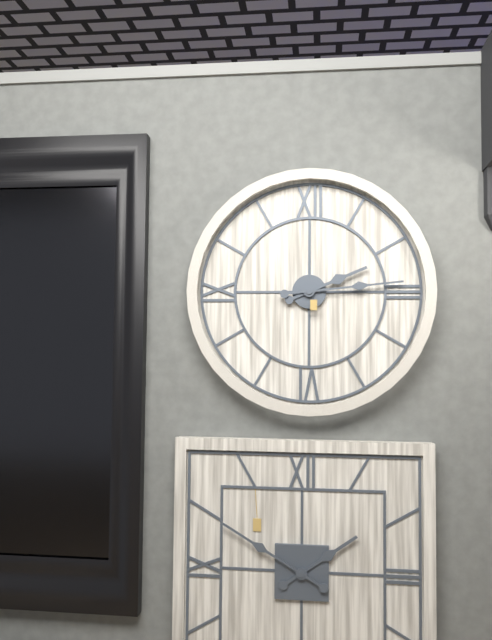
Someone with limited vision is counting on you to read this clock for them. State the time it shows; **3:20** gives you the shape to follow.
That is **2:14**
